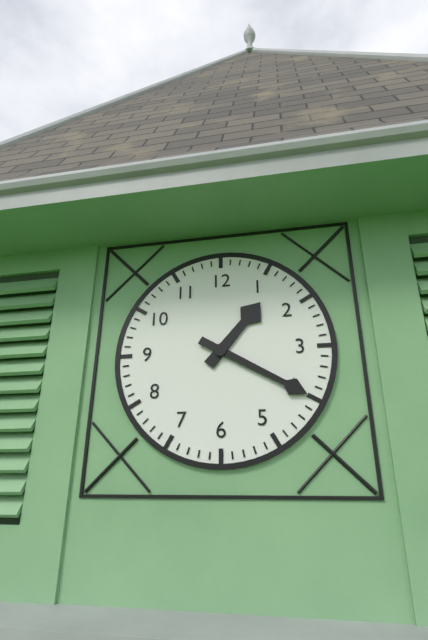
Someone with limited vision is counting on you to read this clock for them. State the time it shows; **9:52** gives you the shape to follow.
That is **1:20**
